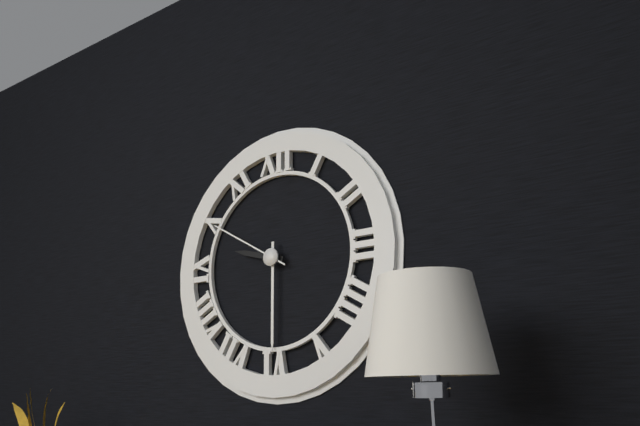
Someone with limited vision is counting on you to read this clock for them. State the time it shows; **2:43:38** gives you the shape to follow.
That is **9:30:50**
